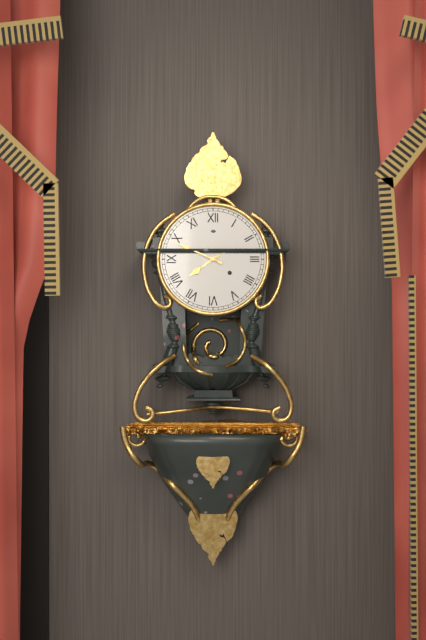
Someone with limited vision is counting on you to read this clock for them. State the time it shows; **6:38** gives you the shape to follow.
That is **7:49**
